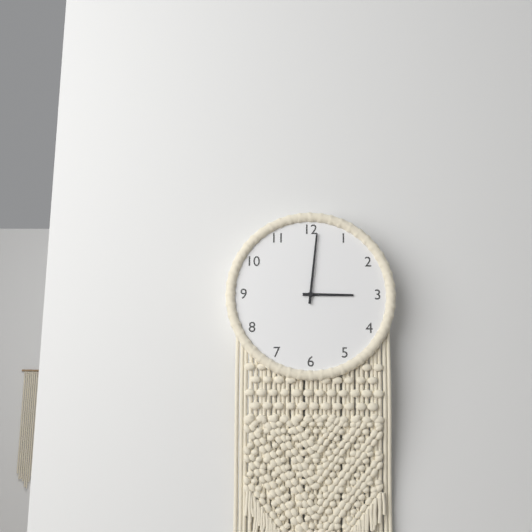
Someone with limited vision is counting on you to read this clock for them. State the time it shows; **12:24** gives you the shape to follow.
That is **3:01**
